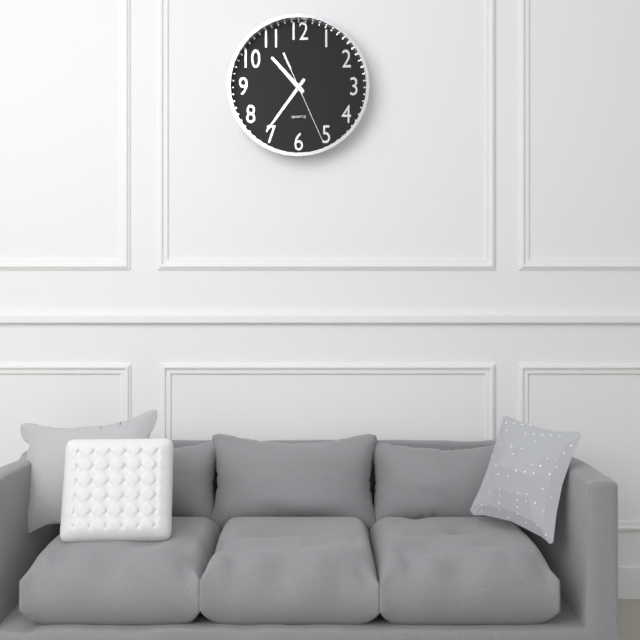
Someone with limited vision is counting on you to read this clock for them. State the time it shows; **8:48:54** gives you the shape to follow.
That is **10:36:26**
